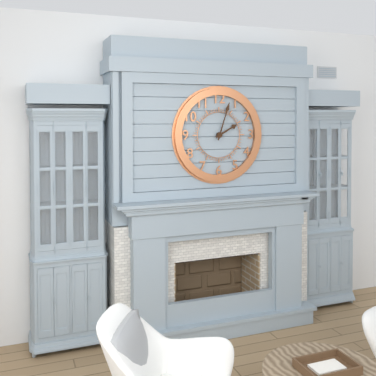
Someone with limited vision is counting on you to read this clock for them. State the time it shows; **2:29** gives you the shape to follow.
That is **2:03**
